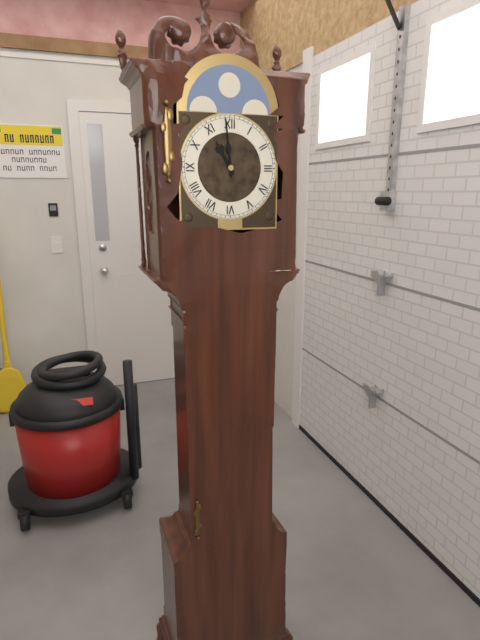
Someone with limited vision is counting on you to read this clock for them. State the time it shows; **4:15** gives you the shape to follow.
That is **10:59**
